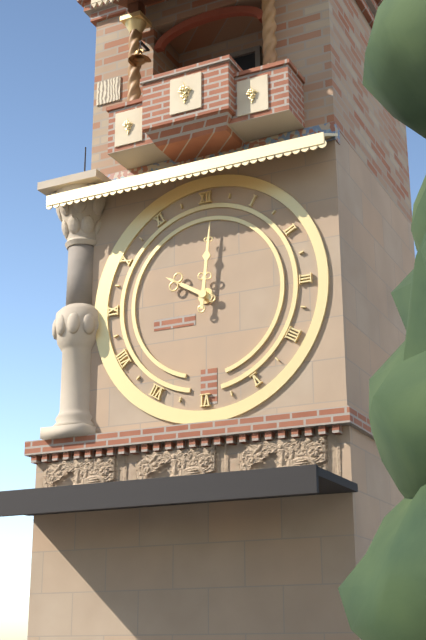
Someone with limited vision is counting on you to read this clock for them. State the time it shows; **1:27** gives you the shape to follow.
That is **10:01**
